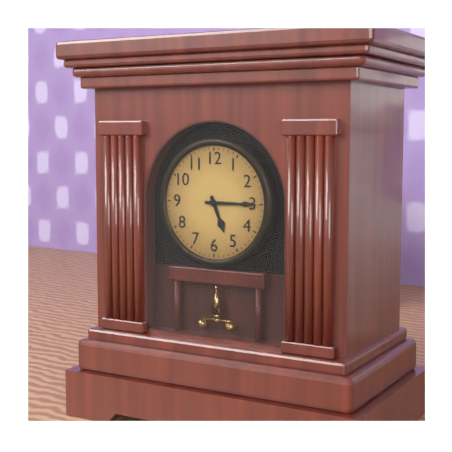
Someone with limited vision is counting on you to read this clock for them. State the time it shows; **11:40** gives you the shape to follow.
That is **5:15**
